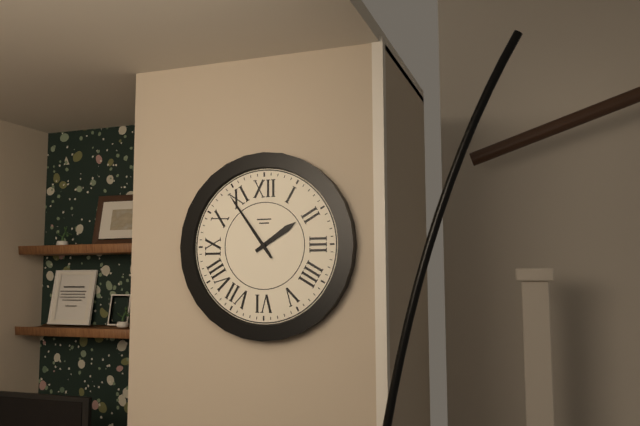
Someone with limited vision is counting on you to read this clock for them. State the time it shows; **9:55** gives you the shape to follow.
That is **1:54**
